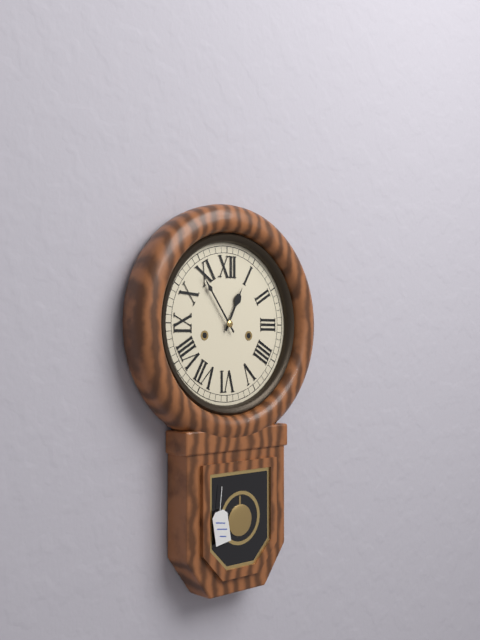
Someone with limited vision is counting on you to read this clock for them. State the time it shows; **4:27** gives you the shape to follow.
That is **12:54**
